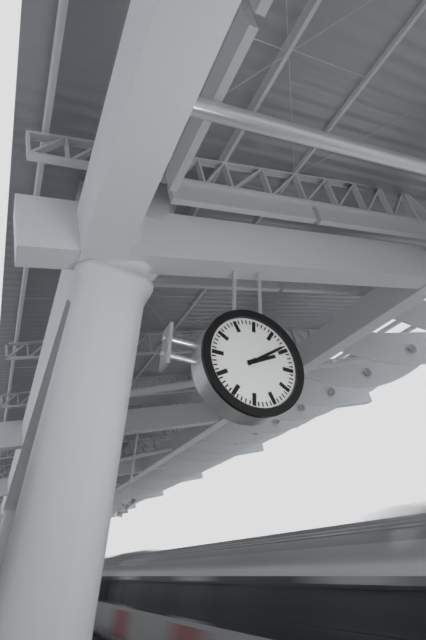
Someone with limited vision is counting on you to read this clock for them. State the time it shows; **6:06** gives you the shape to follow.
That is **2:09**
